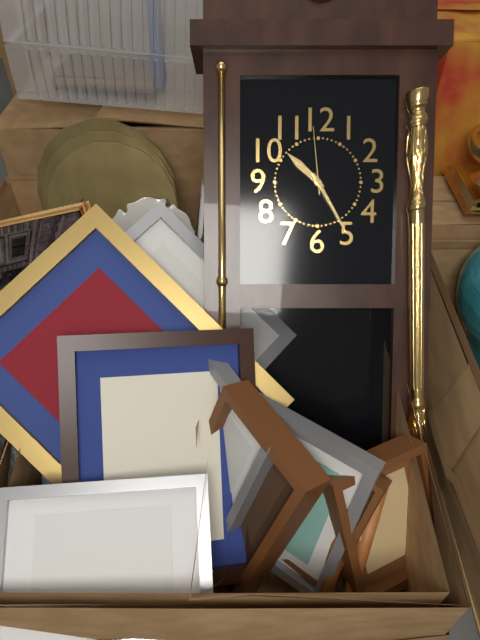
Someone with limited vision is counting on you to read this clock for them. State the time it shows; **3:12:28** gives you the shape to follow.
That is **10:25:59**
